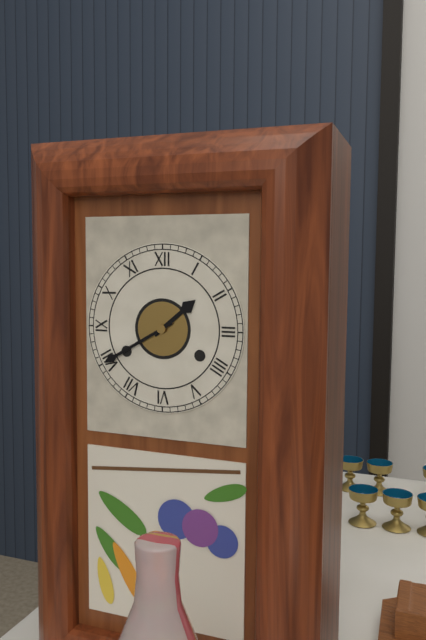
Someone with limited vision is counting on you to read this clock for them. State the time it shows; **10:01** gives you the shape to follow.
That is **1:40**
